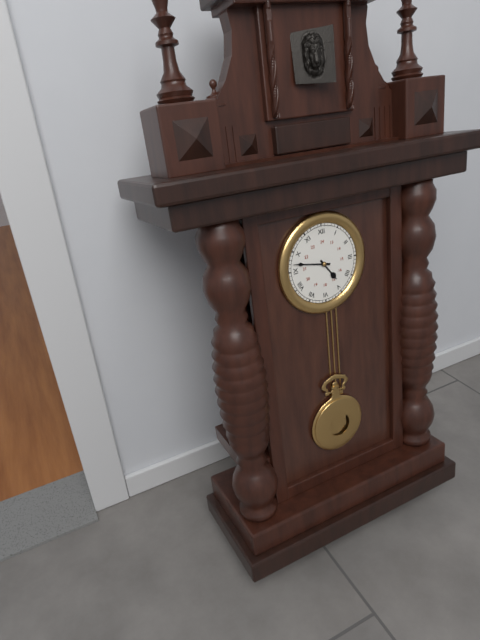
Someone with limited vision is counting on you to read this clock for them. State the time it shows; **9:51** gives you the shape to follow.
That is **4:47**
